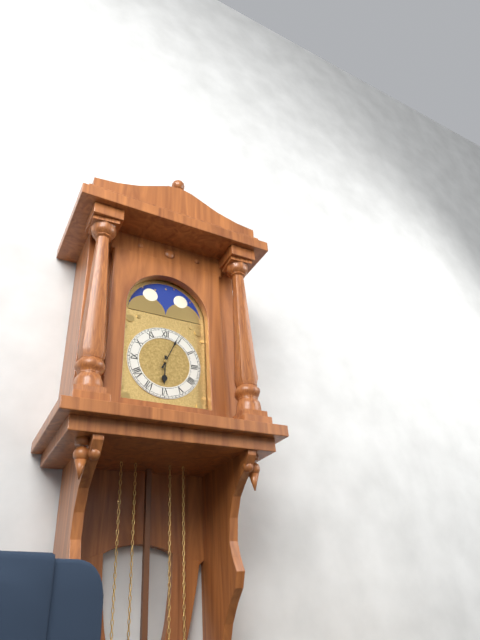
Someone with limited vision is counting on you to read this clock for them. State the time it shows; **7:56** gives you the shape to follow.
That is **6:04**
